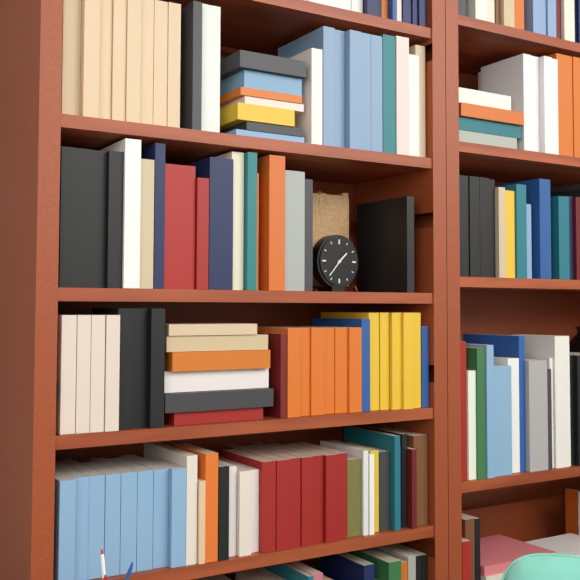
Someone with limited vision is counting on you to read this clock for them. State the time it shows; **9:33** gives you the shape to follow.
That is **1:37**
